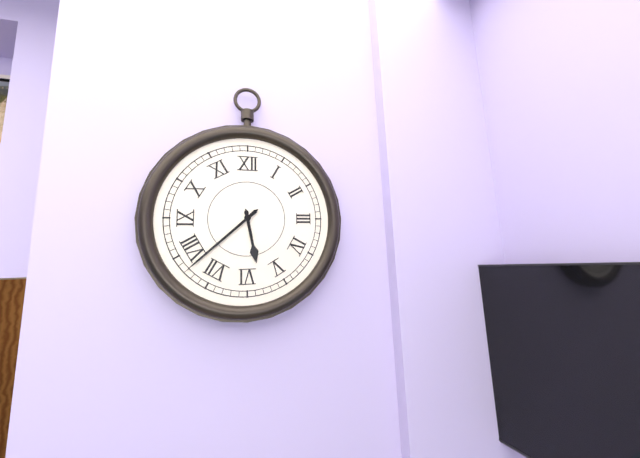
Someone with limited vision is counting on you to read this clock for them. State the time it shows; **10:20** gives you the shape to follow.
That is **5:38**
